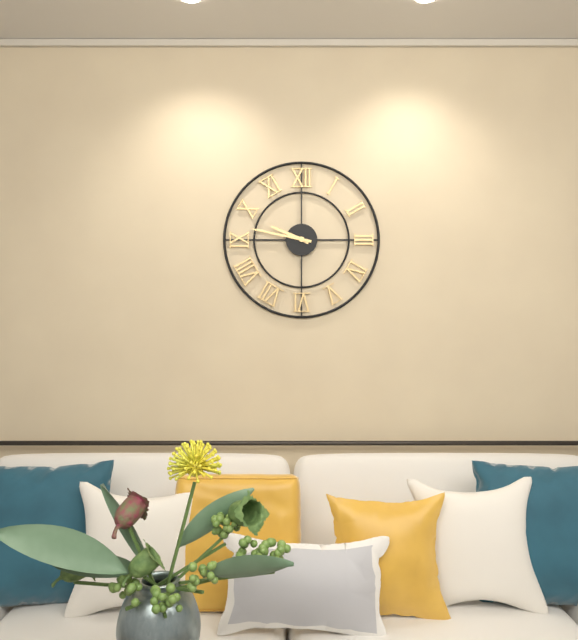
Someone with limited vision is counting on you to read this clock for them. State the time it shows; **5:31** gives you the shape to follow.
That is **9:47**
